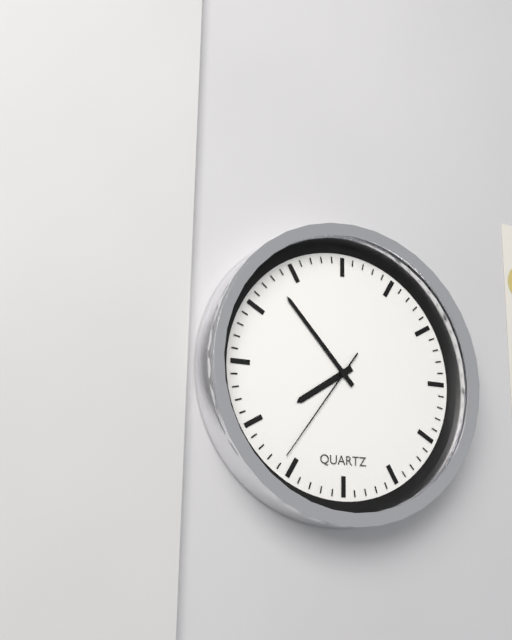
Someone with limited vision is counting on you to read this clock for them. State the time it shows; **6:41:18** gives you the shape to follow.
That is **7:53:36**
